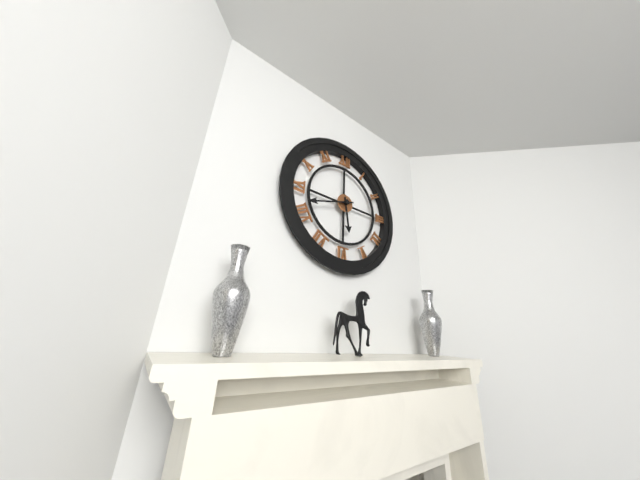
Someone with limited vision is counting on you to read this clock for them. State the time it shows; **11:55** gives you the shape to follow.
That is **5:42**
